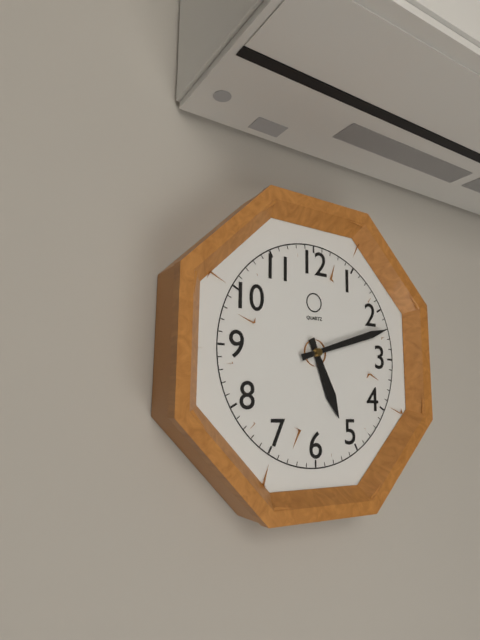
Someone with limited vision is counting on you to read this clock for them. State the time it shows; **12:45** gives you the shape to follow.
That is **5:12**
